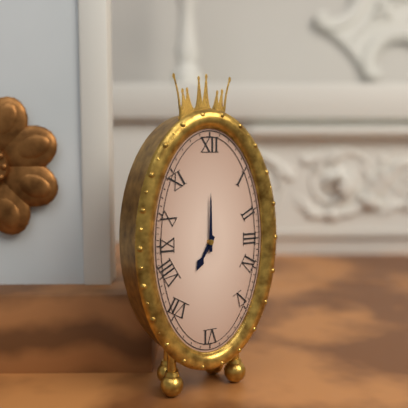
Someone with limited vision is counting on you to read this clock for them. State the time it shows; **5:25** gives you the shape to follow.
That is **7:00**
